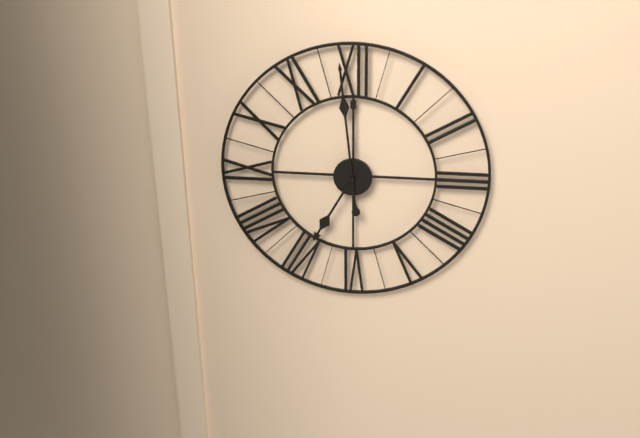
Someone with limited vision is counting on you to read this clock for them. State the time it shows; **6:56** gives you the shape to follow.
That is **6:59**
